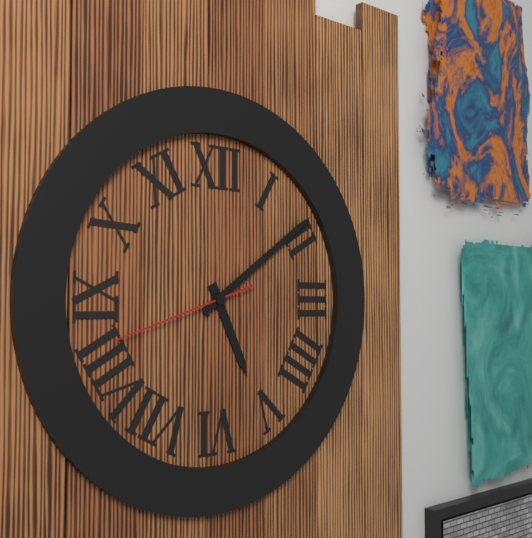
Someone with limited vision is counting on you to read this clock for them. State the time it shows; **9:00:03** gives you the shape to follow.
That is **5:09:42**
